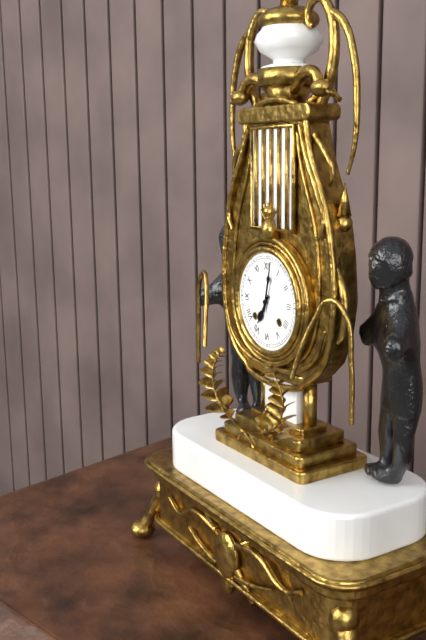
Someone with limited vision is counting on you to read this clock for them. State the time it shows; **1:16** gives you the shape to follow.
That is **7:02**
